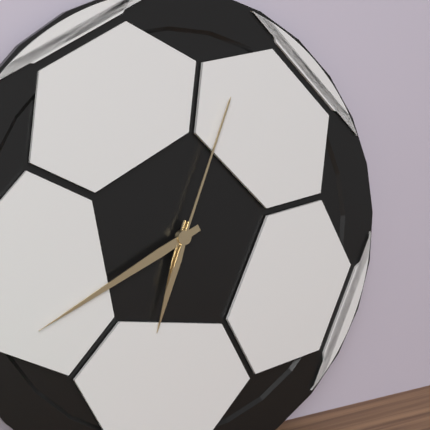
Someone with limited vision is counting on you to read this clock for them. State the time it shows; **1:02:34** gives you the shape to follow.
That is **6:41:04**
